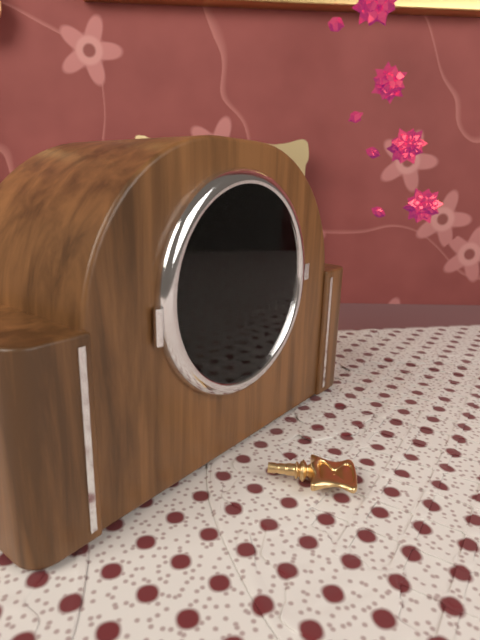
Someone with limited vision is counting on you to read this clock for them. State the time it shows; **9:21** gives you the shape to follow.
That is **12:27**
